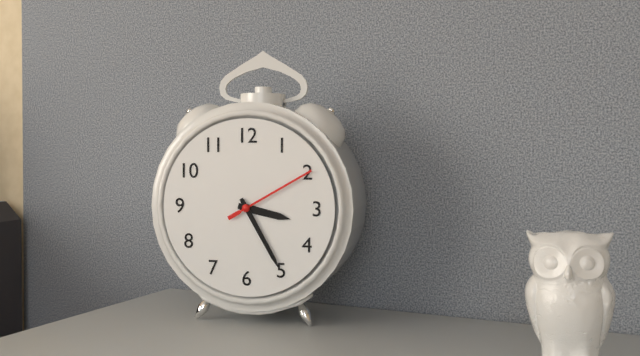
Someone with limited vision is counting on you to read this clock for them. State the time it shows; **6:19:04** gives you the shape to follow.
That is **3:25:10**
